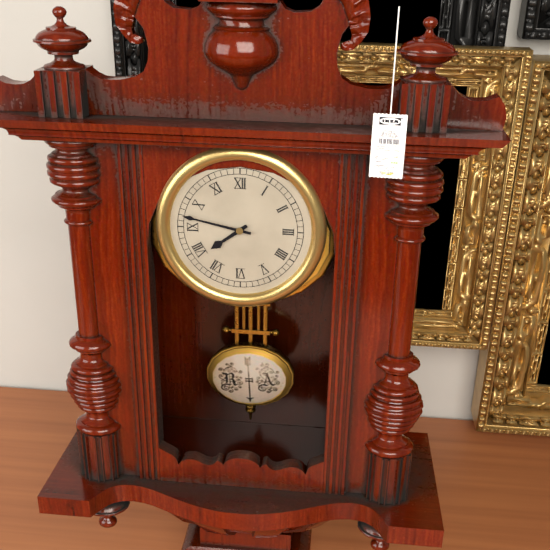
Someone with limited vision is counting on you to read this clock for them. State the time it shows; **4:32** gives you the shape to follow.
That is **7:47**
